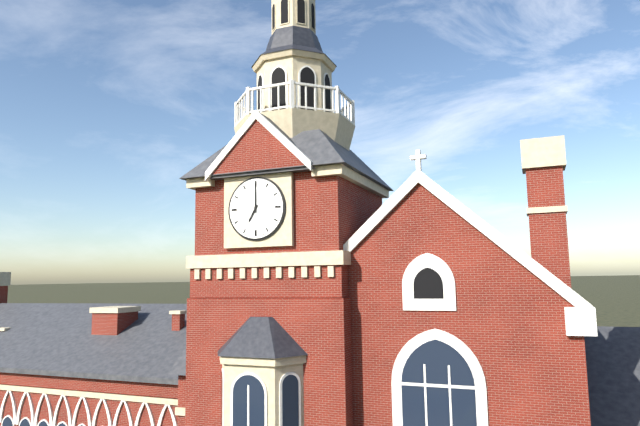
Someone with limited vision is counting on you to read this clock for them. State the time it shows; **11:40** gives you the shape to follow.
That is **7:00**
